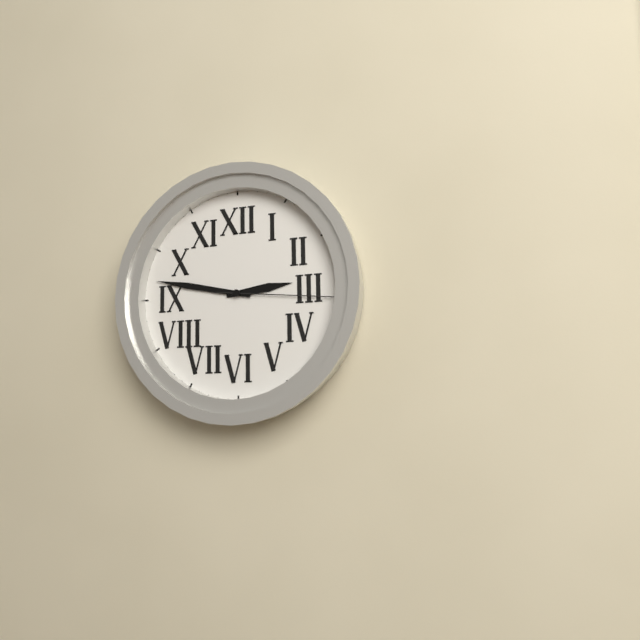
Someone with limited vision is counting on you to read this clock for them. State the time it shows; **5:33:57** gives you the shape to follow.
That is **2:47:16**
